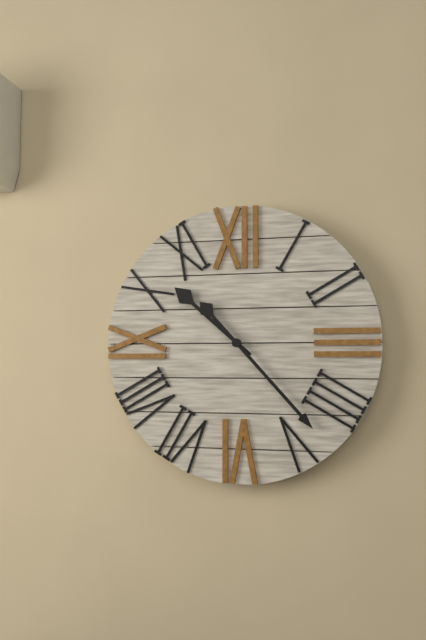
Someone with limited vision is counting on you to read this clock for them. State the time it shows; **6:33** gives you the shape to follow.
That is **10:23**
